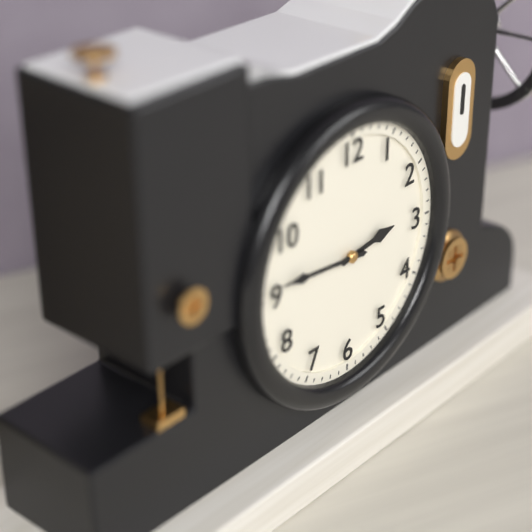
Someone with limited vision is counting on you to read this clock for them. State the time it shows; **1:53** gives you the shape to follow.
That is **2:46**
